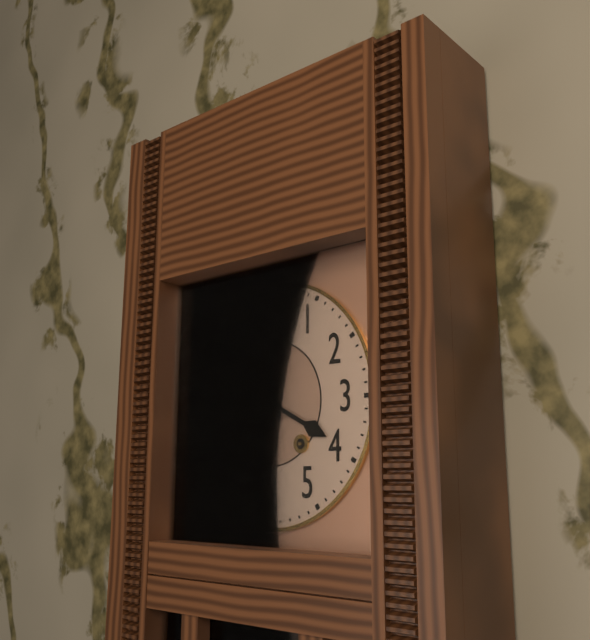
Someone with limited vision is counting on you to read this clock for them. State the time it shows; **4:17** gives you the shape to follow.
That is **3:54**
